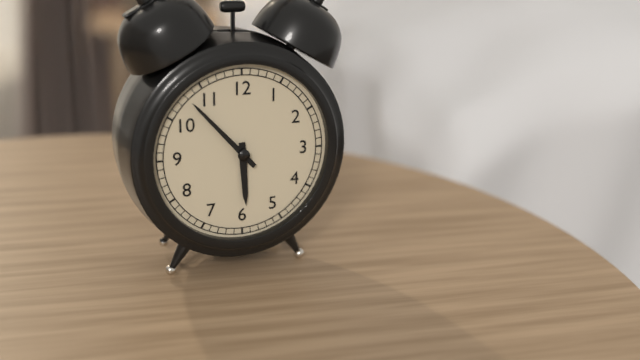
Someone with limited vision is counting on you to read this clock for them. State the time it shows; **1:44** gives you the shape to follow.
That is **5:53**
